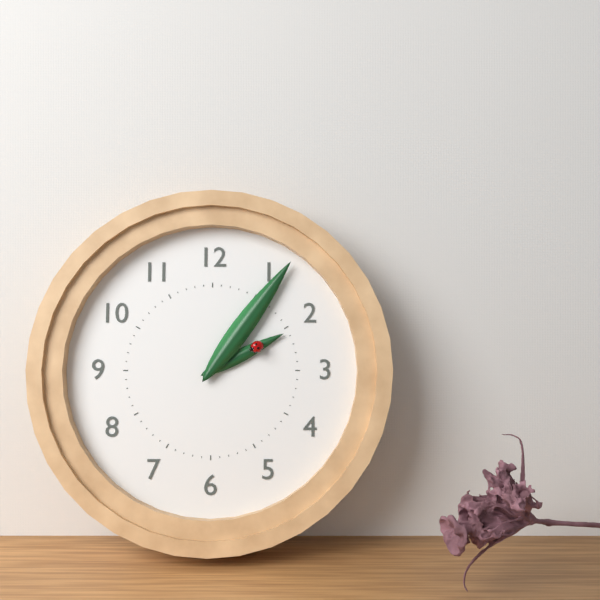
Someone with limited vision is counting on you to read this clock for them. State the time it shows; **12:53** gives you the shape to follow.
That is **2:06**
